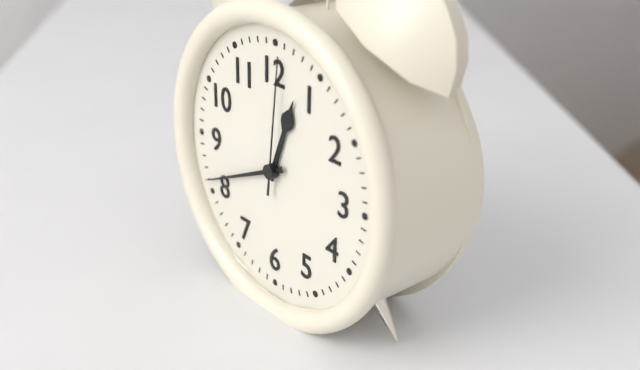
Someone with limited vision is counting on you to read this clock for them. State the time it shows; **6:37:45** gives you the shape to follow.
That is **12:41:01**
